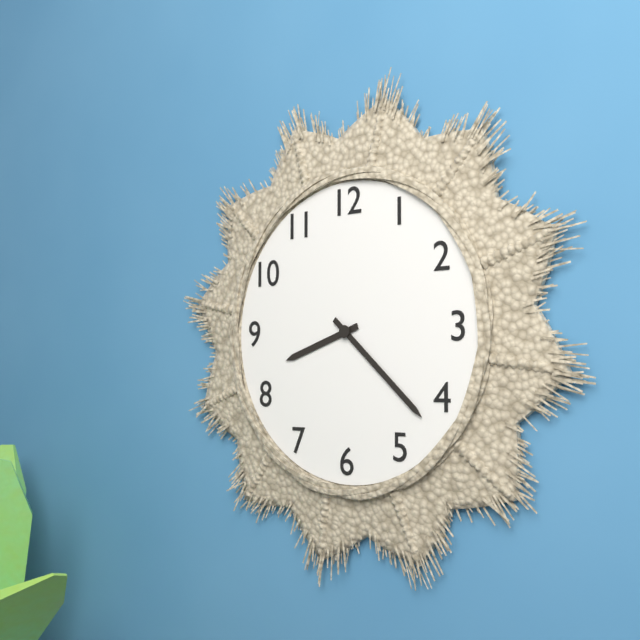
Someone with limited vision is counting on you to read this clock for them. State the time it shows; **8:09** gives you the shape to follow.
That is **8:22**
